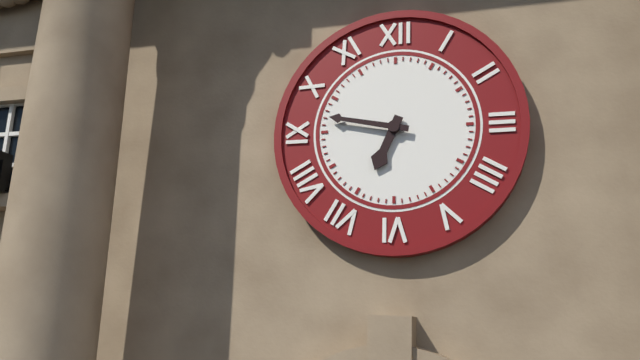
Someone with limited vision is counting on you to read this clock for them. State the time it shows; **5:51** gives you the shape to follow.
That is **6:47**
